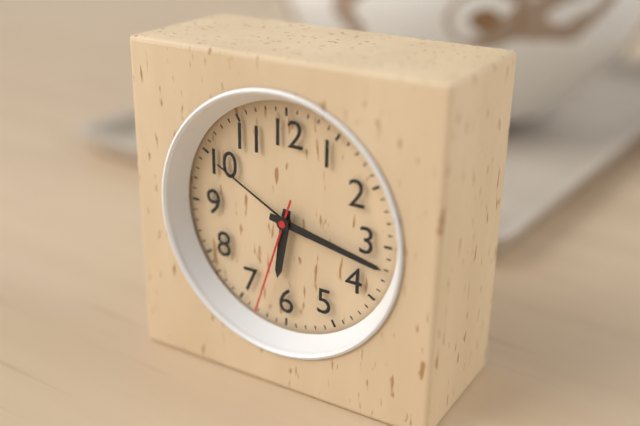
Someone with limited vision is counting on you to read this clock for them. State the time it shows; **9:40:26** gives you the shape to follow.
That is **6:17:33**
